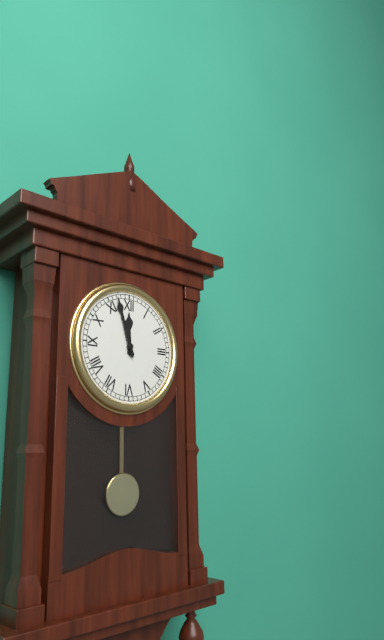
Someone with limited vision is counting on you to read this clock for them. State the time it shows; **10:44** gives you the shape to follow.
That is **11:57**
